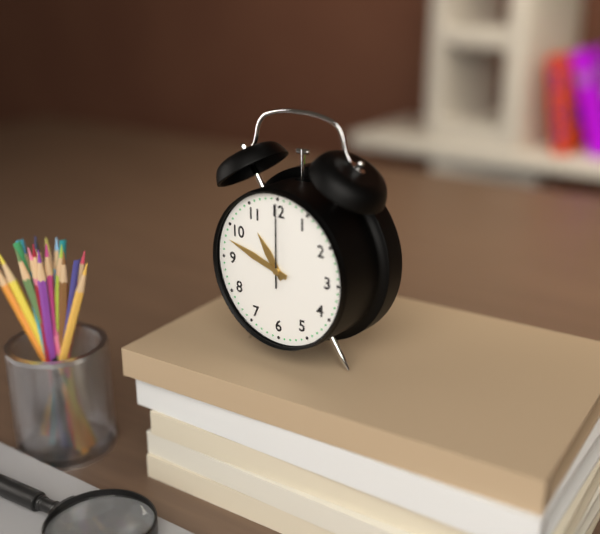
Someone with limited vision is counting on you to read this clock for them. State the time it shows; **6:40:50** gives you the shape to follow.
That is **10:48:00**
